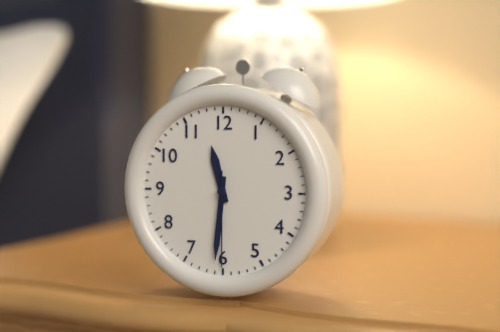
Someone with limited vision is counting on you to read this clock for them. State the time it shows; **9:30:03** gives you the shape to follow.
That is **11:31:30**
